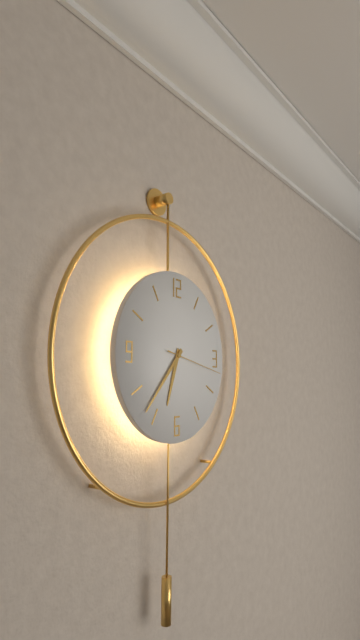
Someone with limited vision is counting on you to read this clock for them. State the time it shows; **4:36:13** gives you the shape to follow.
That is **6:37:17**
